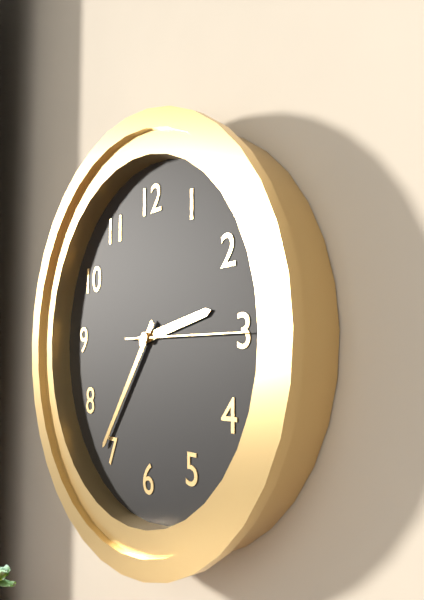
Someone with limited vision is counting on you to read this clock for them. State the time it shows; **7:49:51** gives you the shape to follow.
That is **2:36:15**
